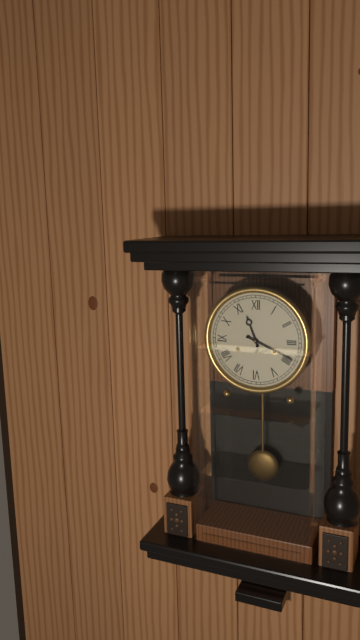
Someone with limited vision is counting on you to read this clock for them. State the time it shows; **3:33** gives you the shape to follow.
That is **11:19**
